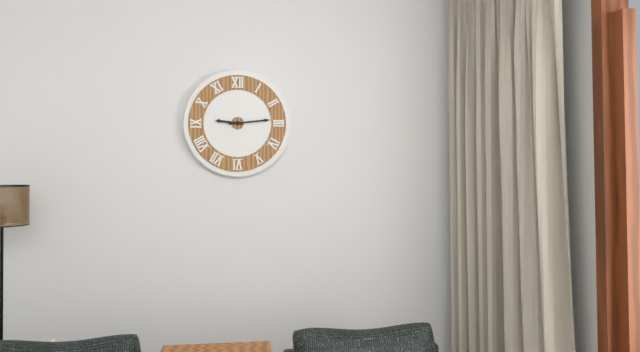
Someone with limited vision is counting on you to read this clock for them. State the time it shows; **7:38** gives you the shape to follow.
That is **9:14**
